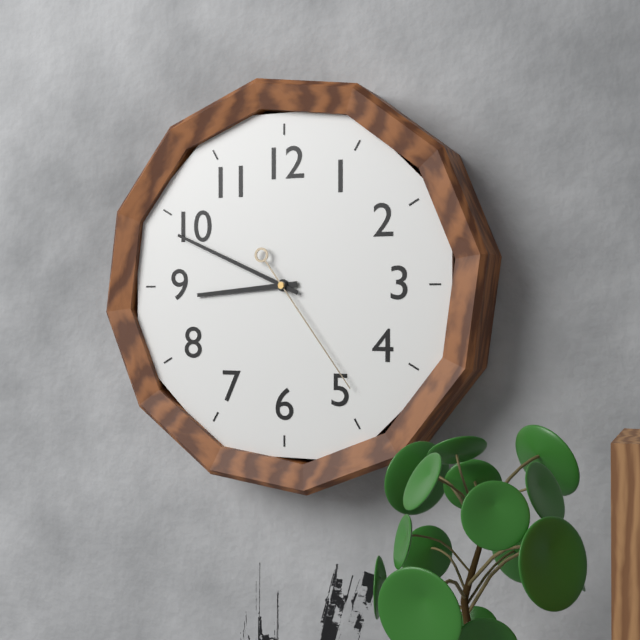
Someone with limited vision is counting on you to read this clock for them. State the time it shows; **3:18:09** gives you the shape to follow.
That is **8:49:24**
